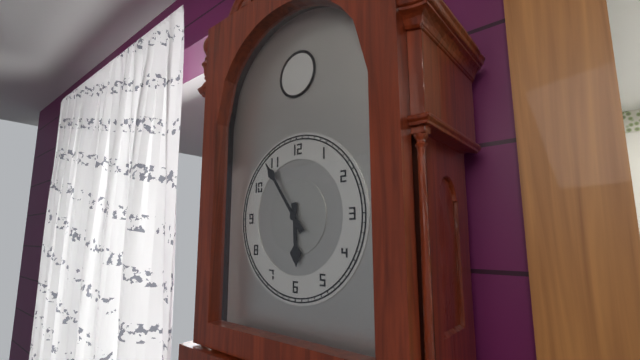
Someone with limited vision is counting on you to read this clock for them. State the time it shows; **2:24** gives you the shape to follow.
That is **5:54**
